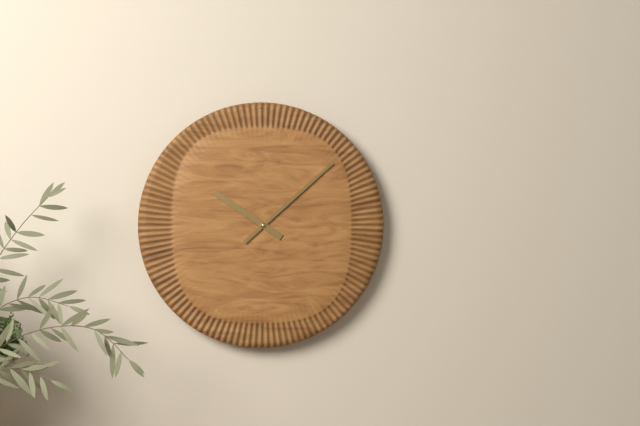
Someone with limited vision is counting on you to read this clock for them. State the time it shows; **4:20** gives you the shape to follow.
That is **10:08**
